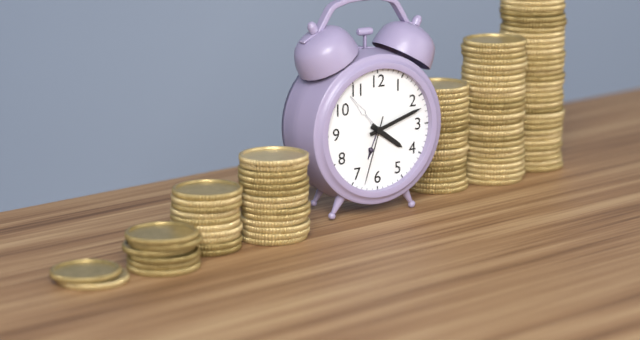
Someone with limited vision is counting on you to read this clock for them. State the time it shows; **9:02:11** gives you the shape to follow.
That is **4:12:33**
